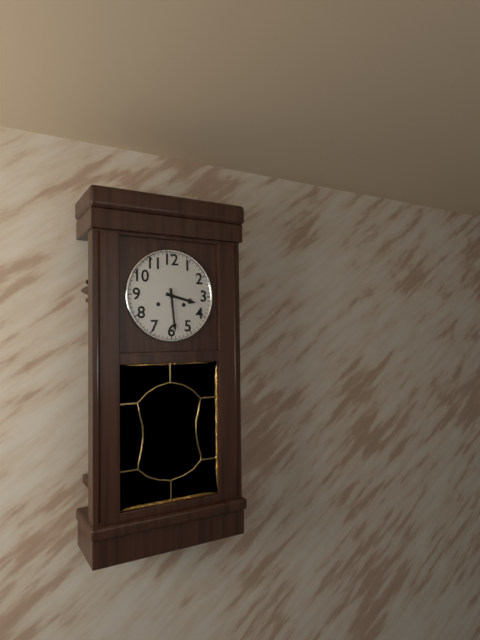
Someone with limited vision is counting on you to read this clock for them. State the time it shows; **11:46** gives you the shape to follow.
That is **3:29**
